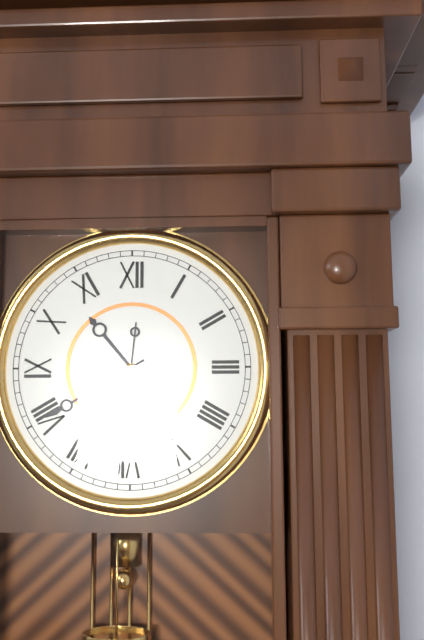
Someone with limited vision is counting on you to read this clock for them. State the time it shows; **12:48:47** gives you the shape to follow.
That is **10:40:31**
